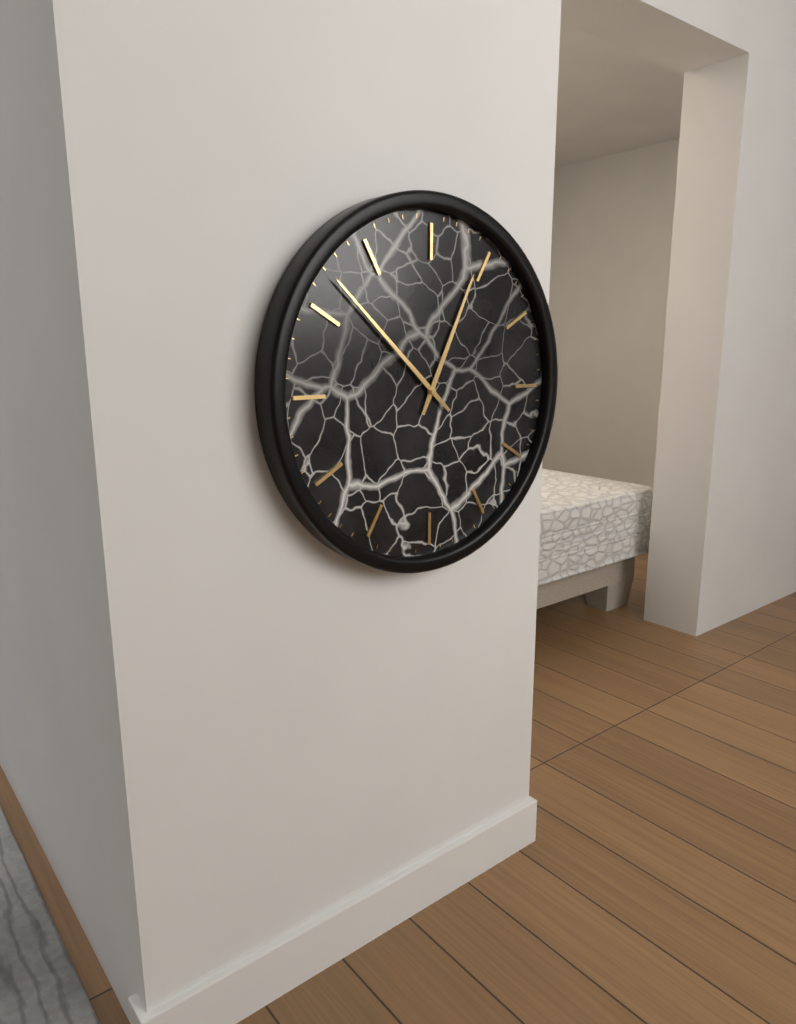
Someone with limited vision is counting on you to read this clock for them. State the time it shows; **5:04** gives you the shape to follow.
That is **12:52**
